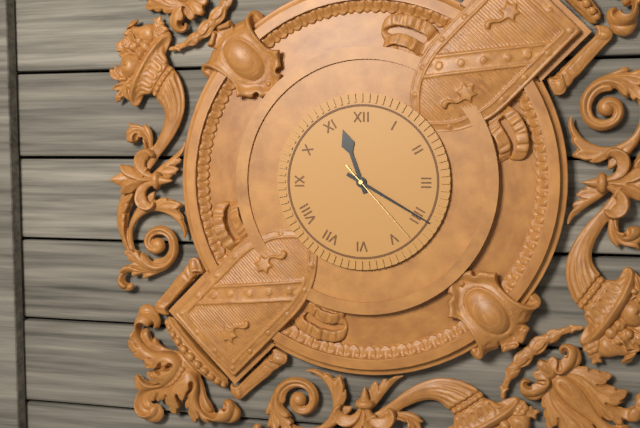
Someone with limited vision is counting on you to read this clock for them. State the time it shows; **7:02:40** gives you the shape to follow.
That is **11:20:23**
